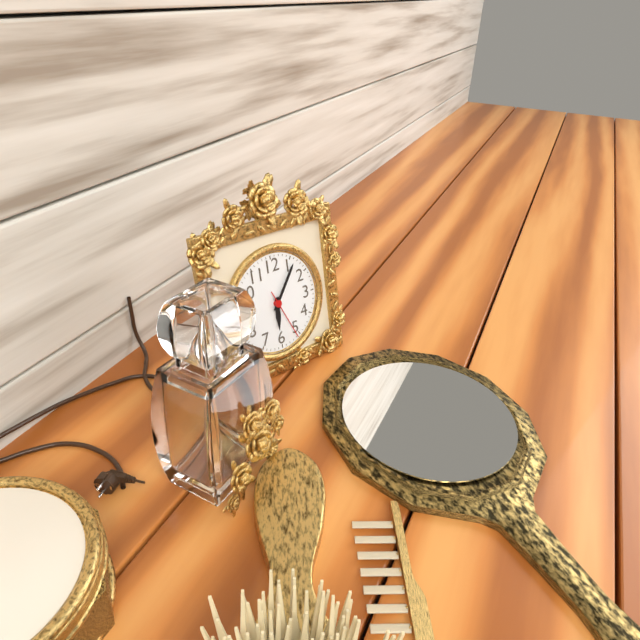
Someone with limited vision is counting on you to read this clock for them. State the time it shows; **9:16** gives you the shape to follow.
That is **6:06**
